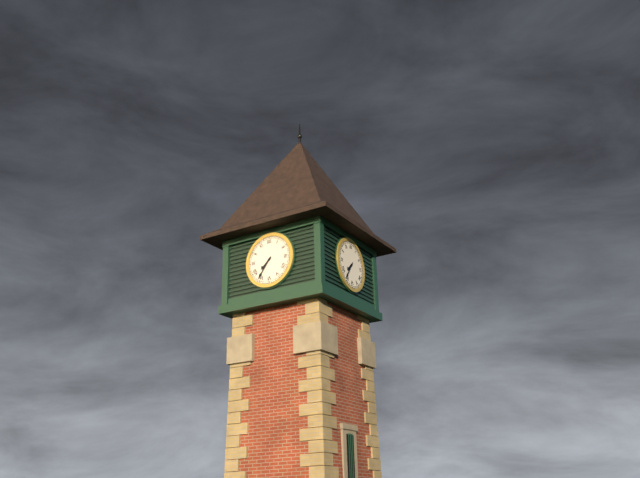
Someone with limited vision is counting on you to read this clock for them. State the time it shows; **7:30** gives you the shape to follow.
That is **7:36**
